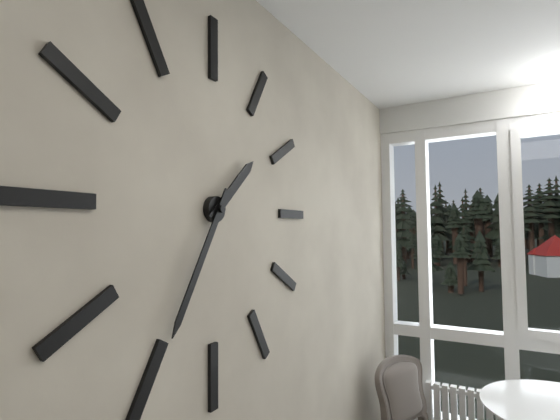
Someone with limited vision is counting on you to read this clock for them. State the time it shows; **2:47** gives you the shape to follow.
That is **1:35**
